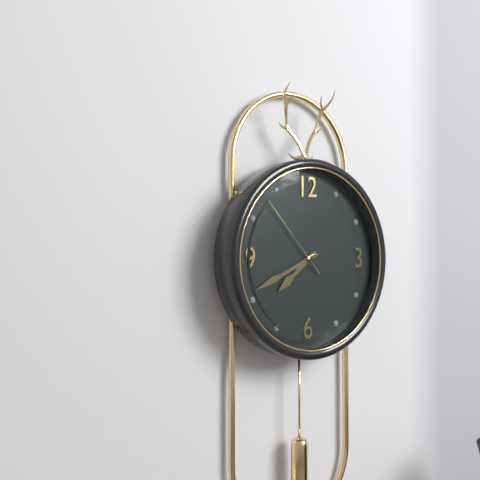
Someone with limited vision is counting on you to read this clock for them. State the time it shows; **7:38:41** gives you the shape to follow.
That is **7:41:53**
